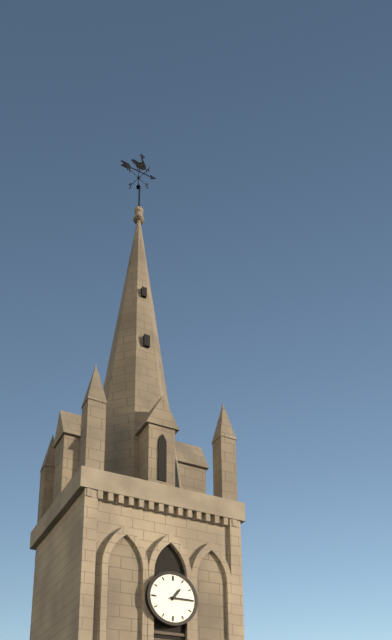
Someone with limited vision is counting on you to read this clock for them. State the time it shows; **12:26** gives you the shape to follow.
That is **1:15**
